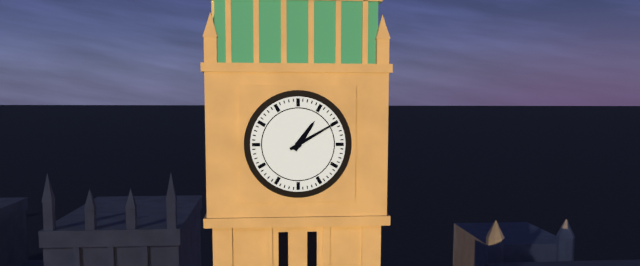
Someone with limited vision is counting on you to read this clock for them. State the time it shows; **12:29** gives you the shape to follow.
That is **1:10**
